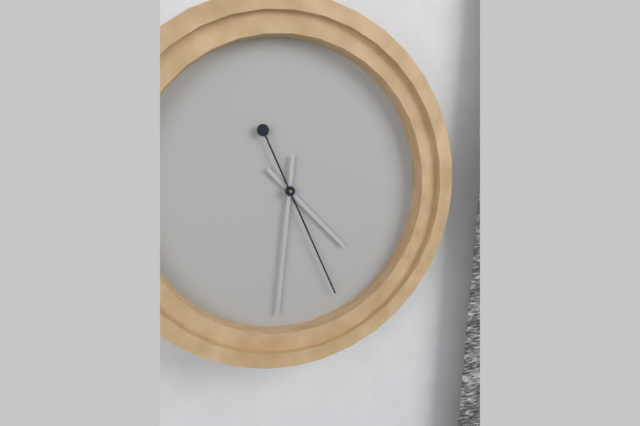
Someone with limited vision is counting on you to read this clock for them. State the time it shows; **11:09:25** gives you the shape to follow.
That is **4:31:26**
